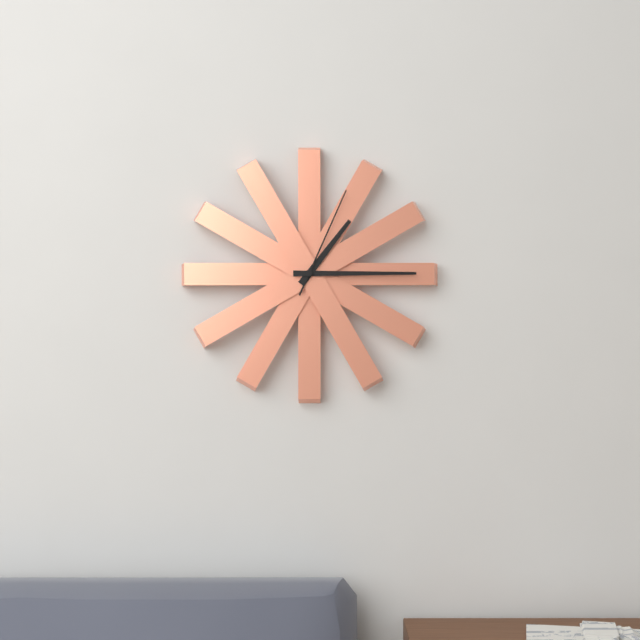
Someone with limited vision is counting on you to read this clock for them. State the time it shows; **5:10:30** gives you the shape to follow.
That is **1:15:04**
